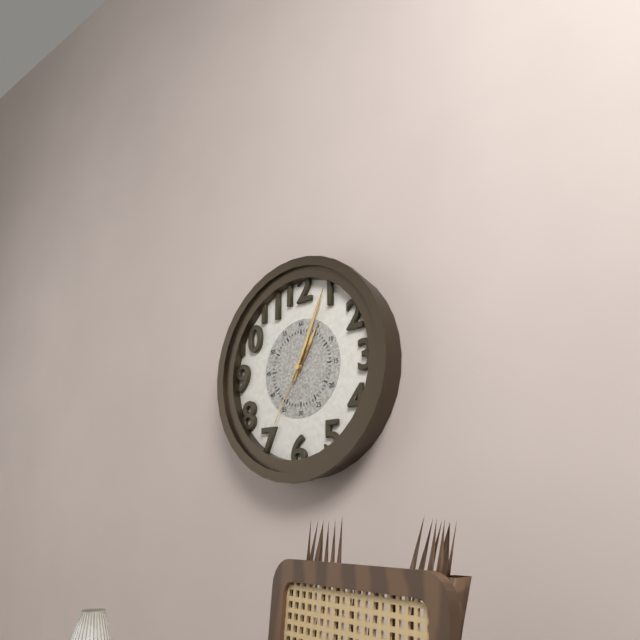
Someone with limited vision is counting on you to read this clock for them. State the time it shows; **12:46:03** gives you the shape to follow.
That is **1:04:35**
